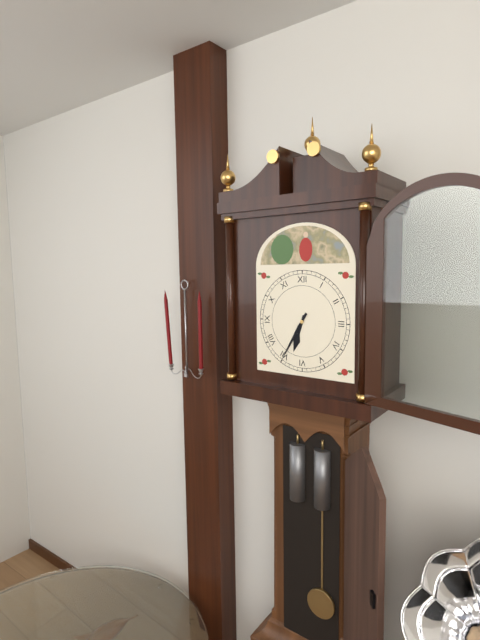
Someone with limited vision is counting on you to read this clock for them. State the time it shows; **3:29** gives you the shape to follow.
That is **6:35**
